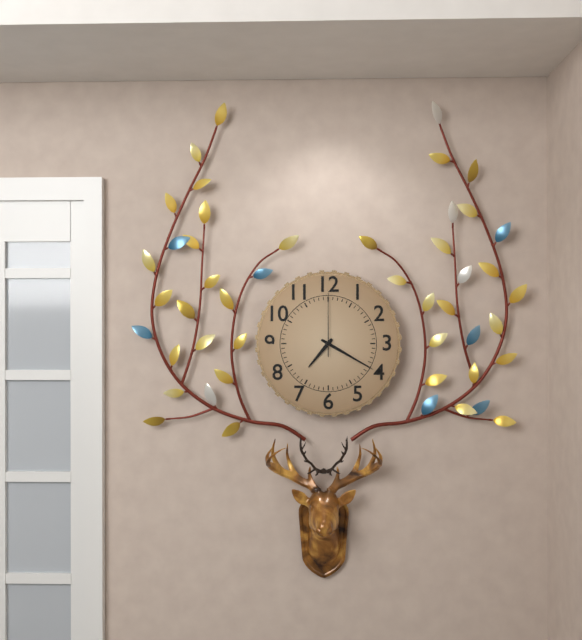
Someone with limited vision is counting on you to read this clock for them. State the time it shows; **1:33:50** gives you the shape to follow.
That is **7:20:00**
